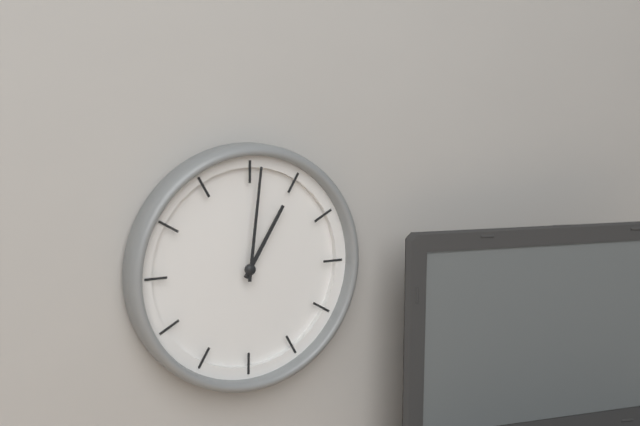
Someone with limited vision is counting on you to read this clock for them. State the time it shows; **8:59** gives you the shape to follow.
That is **1:01**
